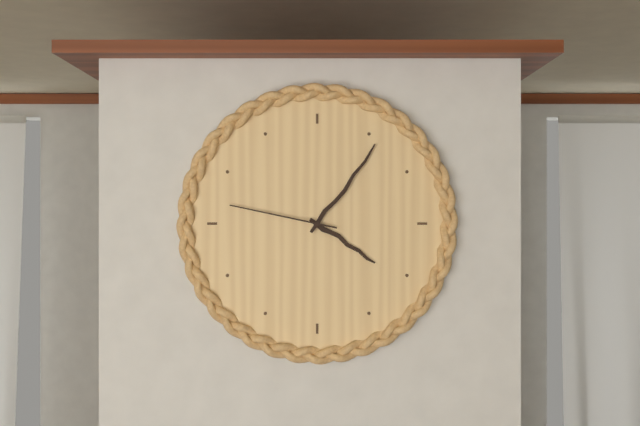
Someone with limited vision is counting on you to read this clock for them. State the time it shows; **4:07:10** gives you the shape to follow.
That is **4:06:47**
